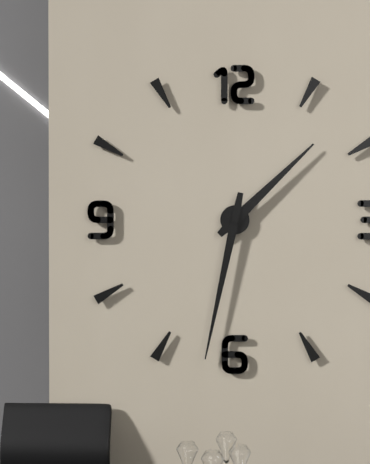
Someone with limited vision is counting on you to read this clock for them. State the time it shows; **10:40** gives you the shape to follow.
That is **1:32**
